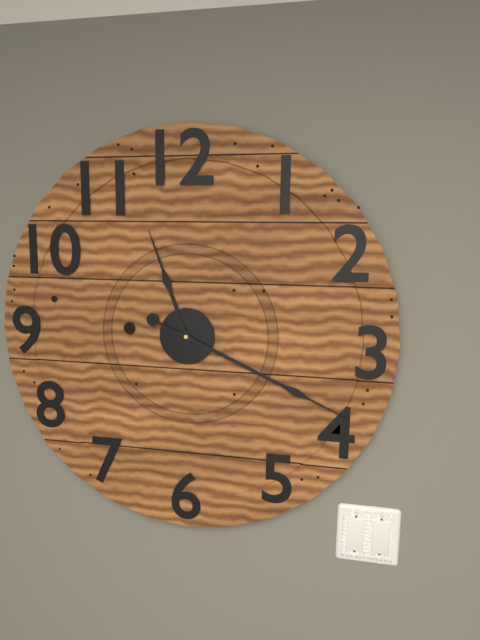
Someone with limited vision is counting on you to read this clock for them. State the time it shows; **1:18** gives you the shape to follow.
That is **11:19**
